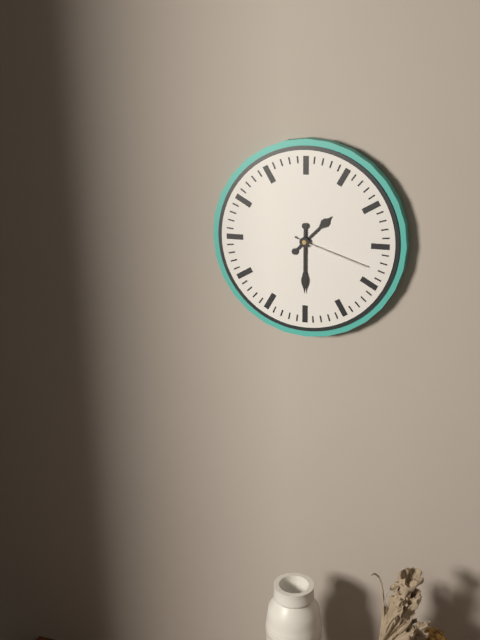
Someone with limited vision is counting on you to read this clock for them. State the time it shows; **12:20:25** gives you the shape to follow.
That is **1:30:18**
